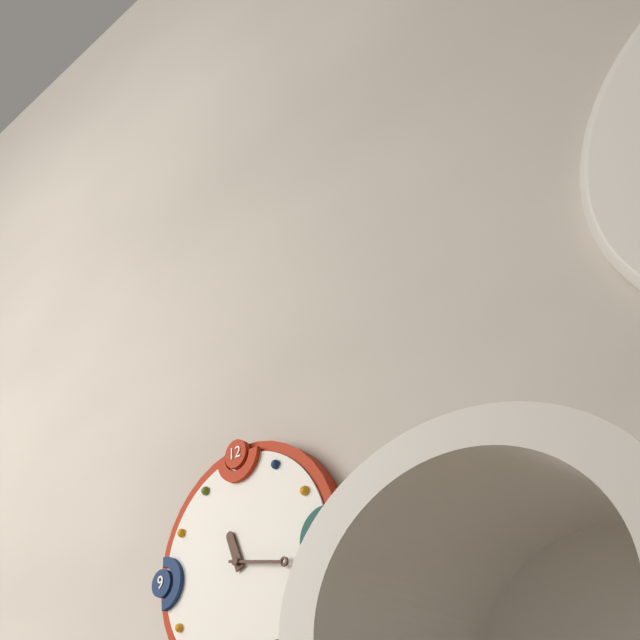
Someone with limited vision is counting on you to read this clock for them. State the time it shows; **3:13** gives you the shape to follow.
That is **11:17**
